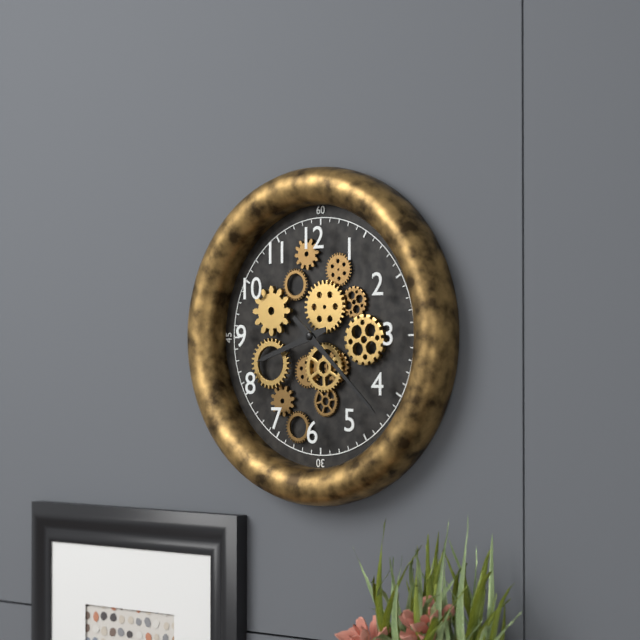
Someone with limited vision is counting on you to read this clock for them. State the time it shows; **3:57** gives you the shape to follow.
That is **8:22**
